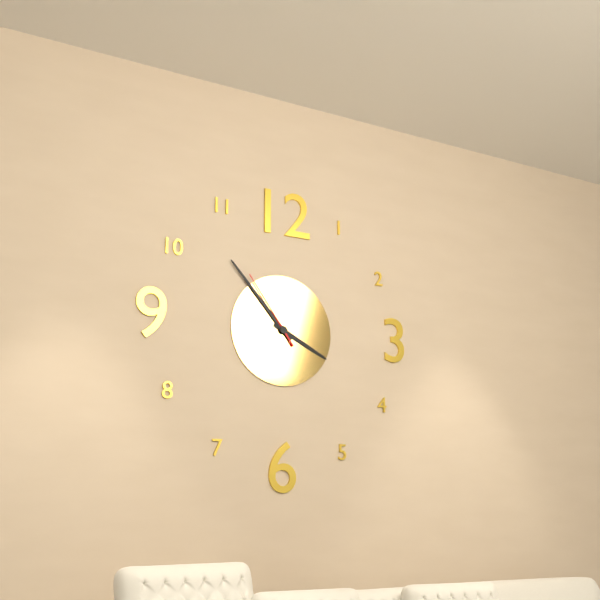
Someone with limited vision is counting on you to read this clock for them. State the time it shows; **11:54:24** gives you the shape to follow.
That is **3:53:54**
